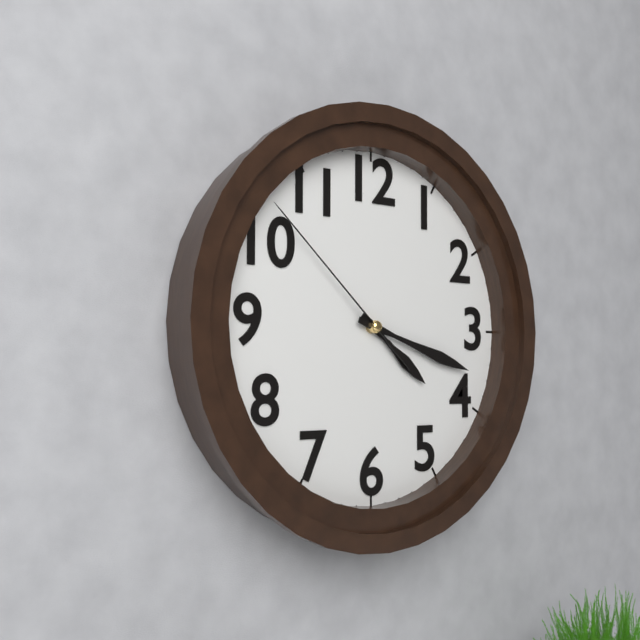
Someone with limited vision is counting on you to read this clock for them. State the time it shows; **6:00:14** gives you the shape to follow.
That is **4:18:52**
